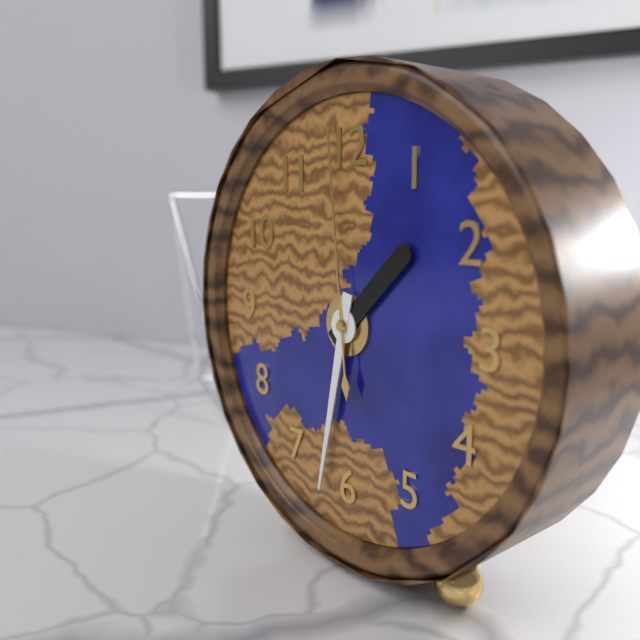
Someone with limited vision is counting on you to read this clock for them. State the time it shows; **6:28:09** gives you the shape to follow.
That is **1:32:59**
